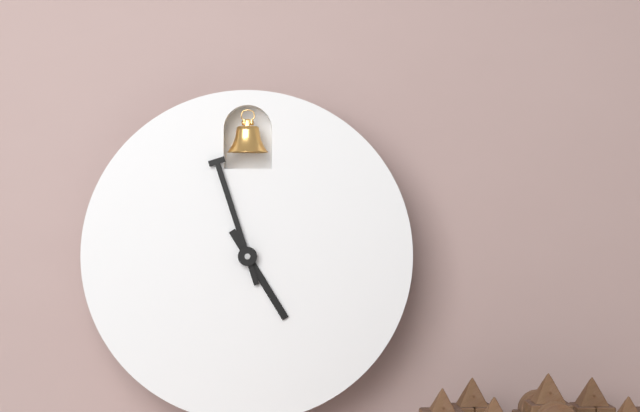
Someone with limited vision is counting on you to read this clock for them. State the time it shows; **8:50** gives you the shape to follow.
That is **4:57**
